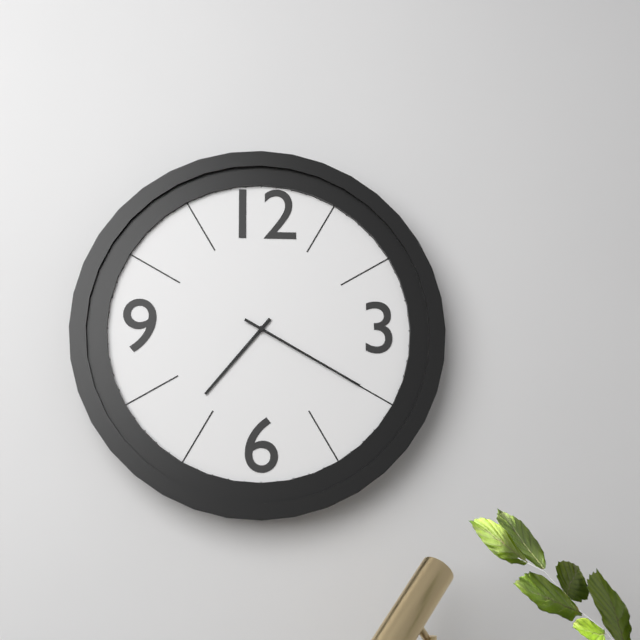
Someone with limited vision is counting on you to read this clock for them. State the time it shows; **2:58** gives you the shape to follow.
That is **7:20**
